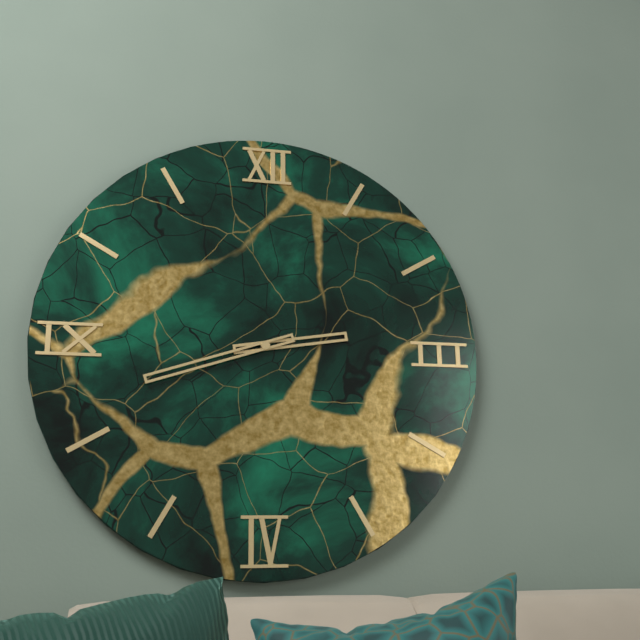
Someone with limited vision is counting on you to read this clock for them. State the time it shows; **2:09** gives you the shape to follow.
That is **2:42**
